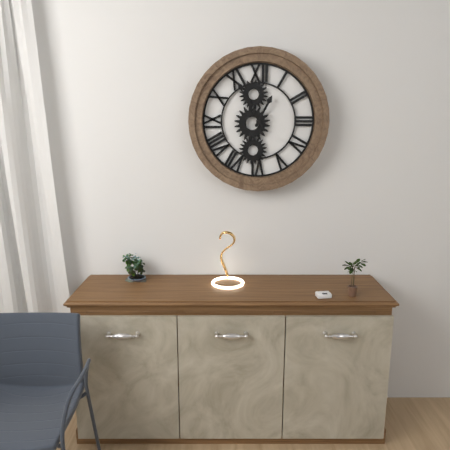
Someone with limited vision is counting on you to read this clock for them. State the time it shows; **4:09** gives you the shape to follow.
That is **12:55**
